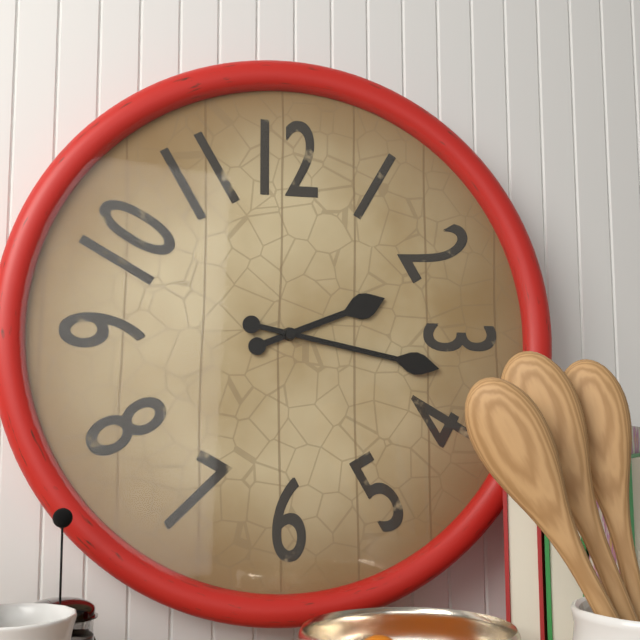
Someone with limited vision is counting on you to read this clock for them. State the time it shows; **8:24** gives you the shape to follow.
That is **2:17**
